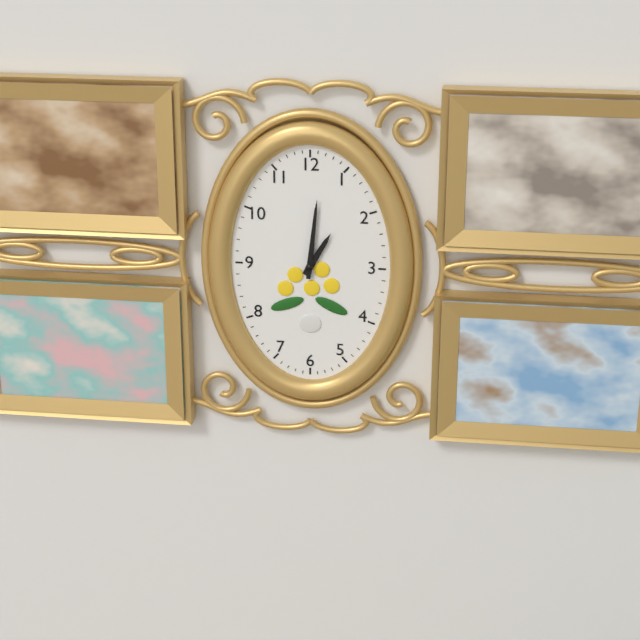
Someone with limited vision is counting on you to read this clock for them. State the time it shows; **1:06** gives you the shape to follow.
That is **1:01**
